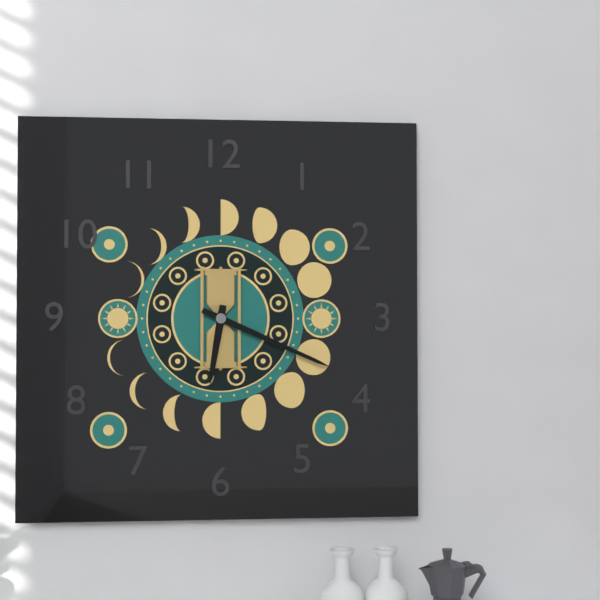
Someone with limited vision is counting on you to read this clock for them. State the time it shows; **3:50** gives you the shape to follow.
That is **6:19**
